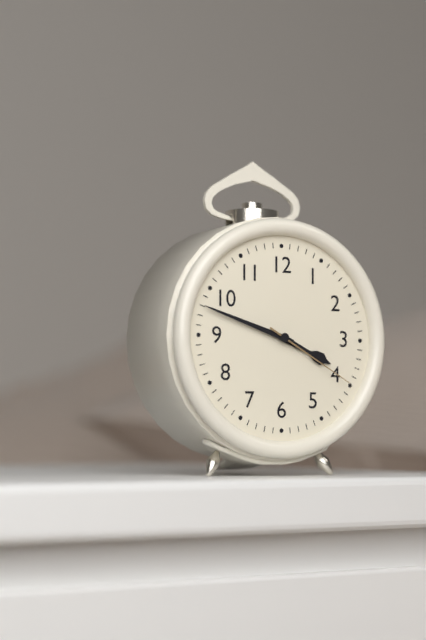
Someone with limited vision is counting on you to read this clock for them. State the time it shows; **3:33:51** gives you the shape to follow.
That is **3:48:20**
